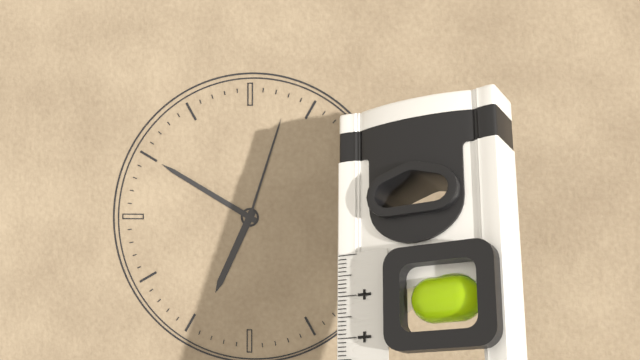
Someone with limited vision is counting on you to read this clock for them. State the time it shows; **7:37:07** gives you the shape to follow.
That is **6:50:03**
